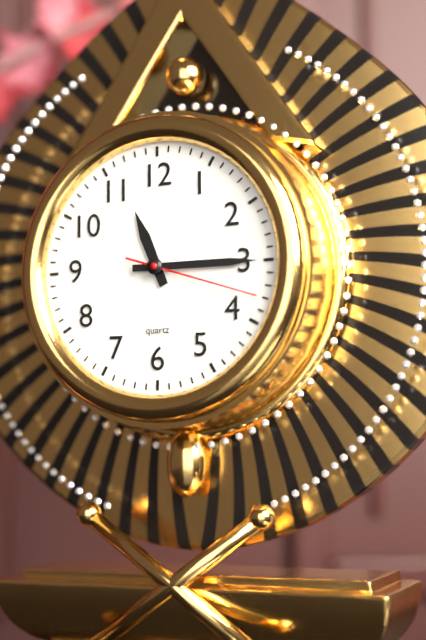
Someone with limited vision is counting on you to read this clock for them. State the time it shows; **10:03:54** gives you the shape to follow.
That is **11:15:18**
